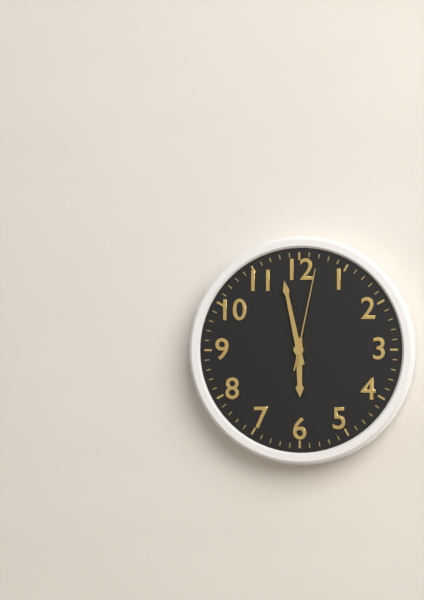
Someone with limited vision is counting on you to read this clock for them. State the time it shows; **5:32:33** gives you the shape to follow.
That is **5:58:02**
